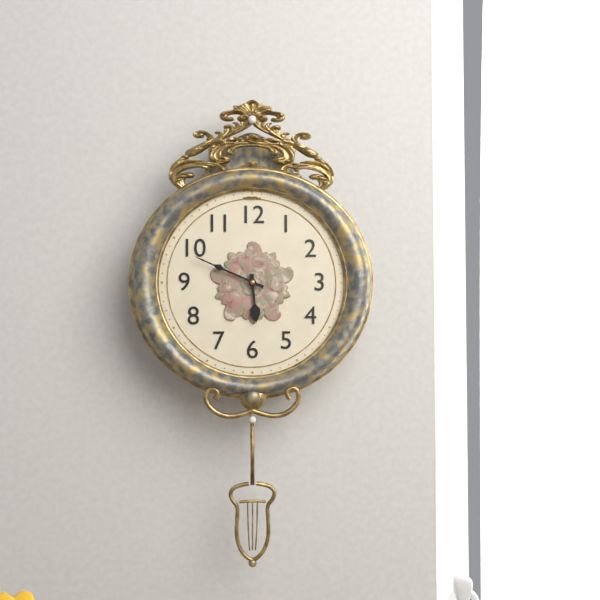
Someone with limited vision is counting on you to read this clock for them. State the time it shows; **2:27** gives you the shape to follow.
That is **5:49**
